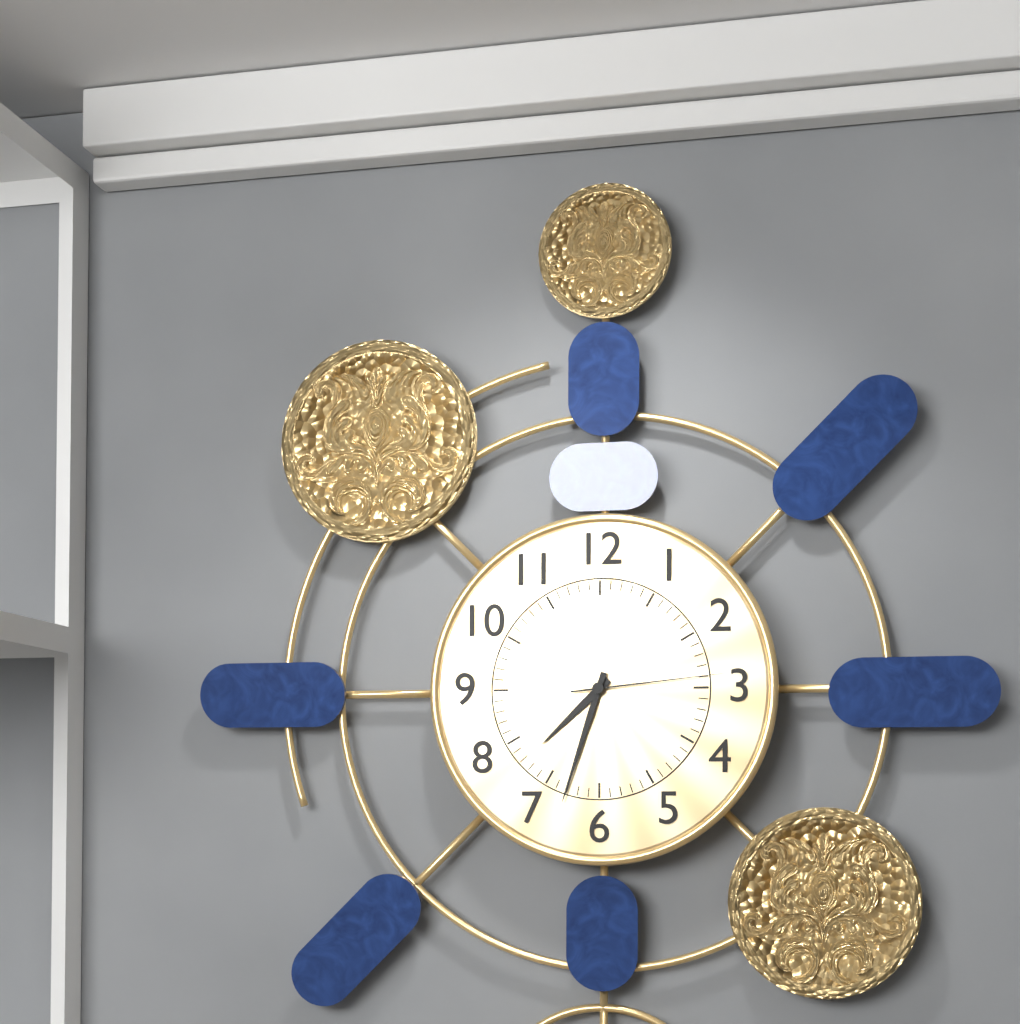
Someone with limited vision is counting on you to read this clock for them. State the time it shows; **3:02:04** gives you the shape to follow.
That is **7:33:14**
